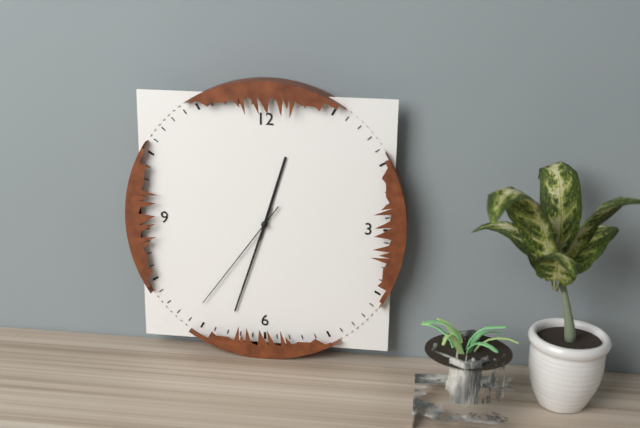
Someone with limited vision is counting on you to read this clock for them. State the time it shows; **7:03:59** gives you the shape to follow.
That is **12:33:36**
